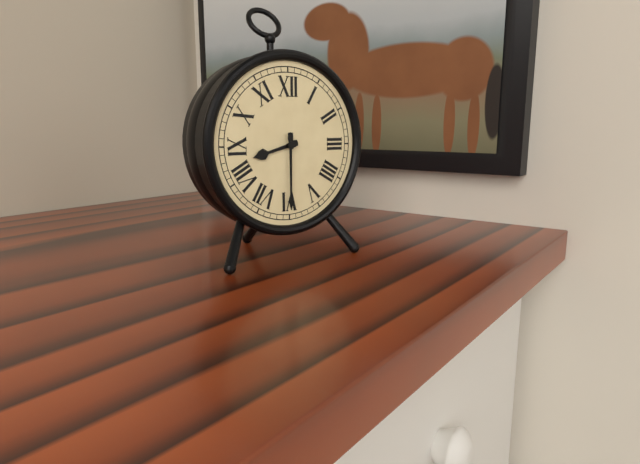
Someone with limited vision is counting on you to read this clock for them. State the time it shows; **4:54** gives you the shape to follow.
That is **8:30**
